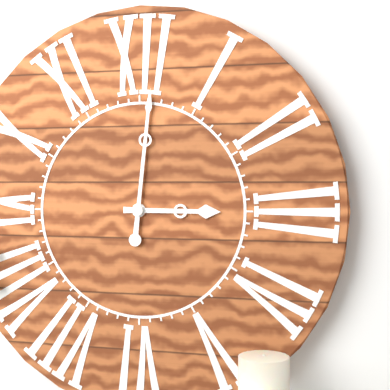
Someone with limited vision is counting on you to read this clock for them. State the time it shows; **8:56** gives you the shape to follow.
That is **3:01**
